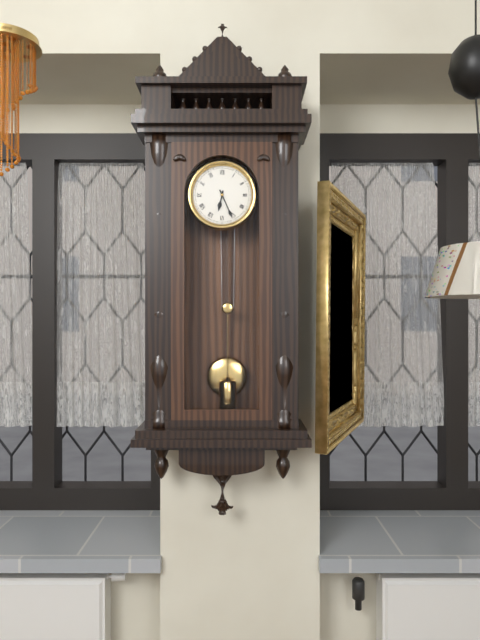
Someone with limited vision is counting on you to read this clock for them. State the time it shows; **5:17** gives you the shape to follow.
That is **6:26**
